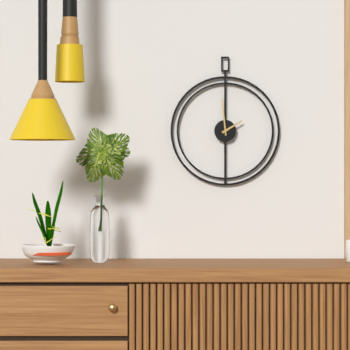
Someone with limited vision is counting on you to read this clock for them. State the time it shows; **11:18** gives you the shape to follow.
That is **1:59**
